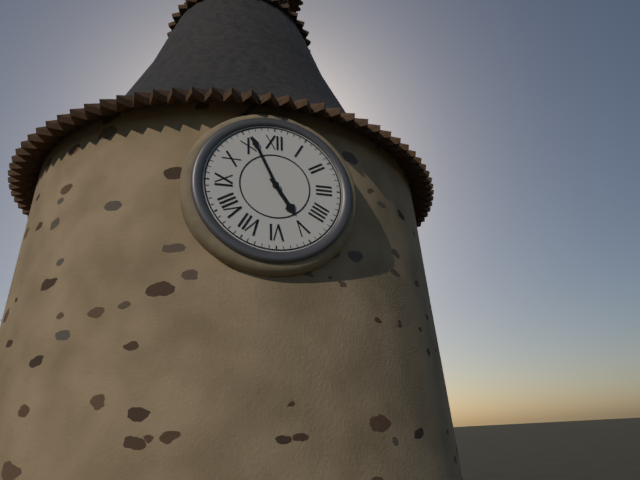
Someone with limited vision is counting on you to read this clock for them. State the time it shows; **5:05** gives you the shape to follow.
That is **4:56**
